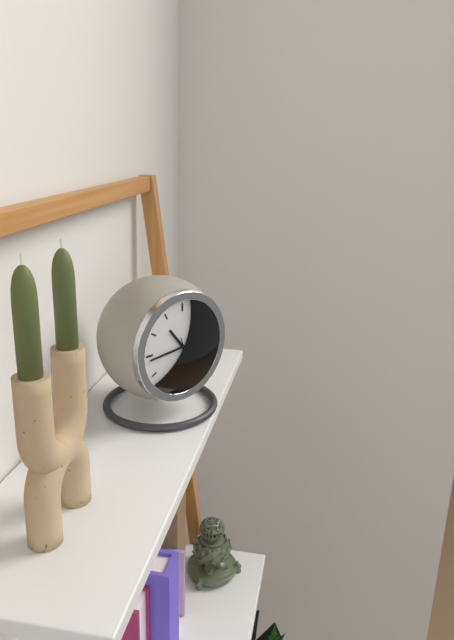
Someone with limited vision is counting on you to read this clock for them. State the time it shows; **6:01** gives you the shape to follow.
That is **10:44**
